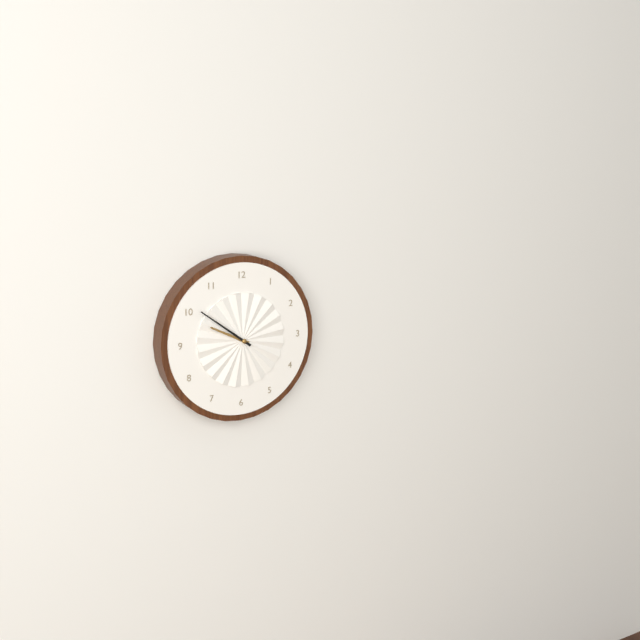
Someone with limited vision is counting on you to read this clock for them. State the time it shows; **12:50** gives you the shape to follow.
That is **9:51**
